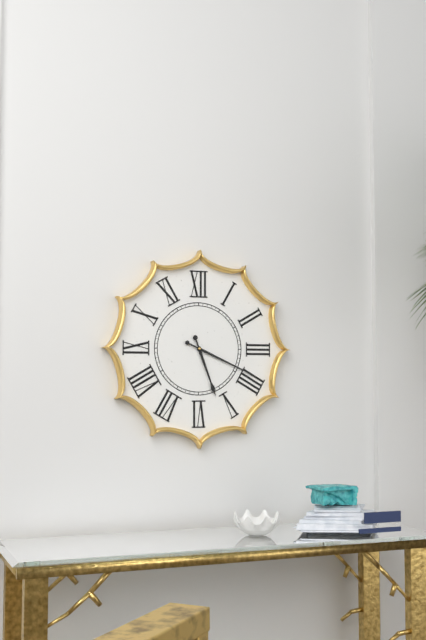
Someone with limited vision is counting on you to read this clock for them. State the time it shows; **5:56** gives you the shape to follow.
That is **5:19**
